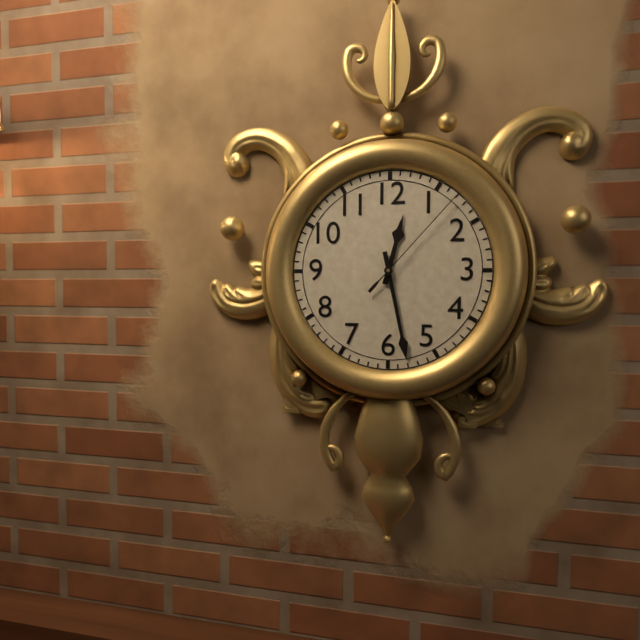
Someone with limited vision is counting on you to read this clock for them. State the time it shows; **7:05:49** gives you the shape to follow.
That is **12:28:07**
